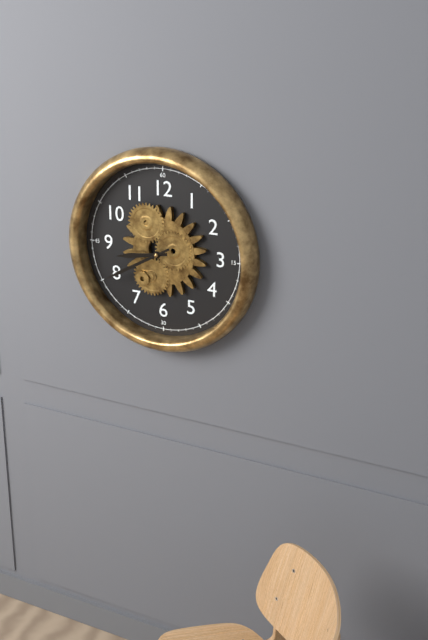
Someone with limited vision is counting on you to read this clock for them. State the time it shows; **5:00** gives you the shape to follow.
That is **8:40**
